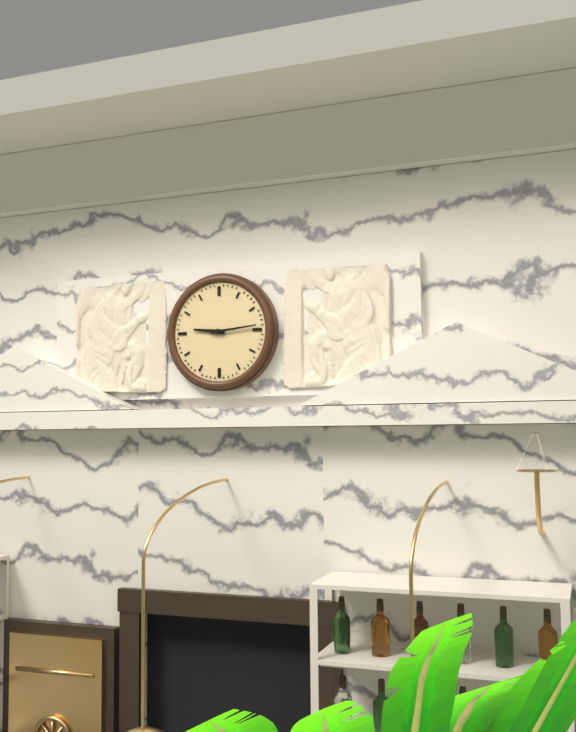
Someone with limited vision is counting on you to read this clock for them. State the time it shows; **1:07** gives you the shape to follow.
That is **9:14**
